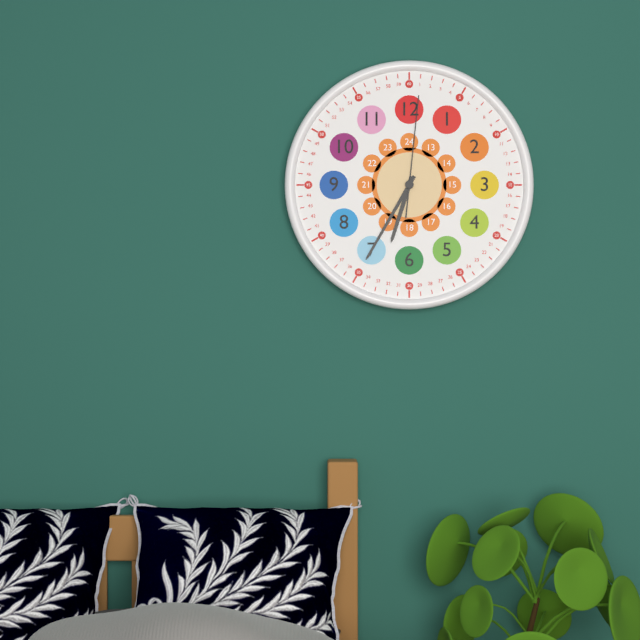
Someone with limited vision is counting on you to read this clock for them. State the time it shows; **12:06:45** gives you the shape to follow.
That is **6:35:01**
